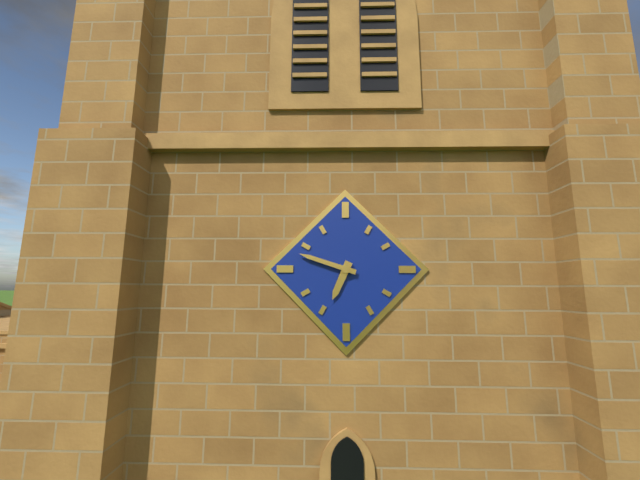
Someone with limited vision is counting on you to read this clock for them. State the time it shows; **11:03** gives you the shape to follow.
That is **6:48**
